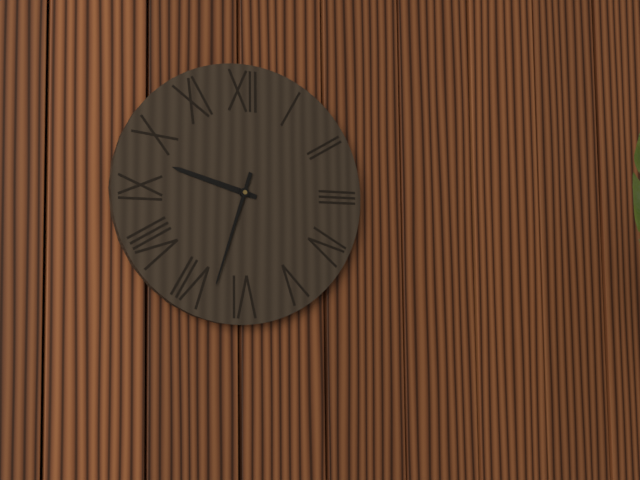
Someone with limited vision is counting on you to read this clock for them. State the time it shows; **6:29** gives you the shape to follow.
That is **9:33**
